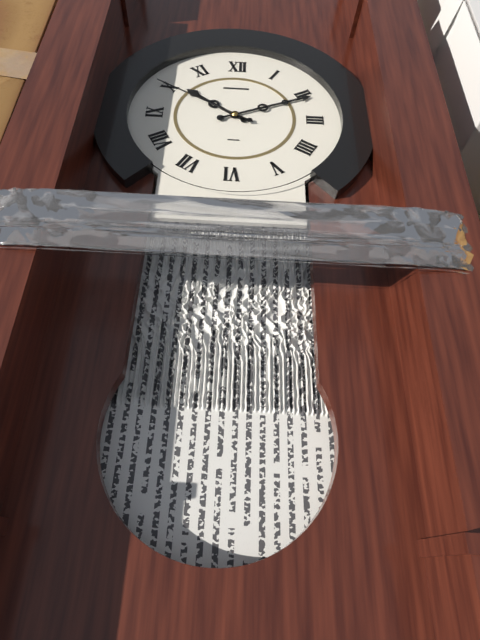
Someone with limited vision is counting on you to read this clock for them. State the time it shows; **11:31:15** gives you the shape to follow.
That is **10:11:50**
